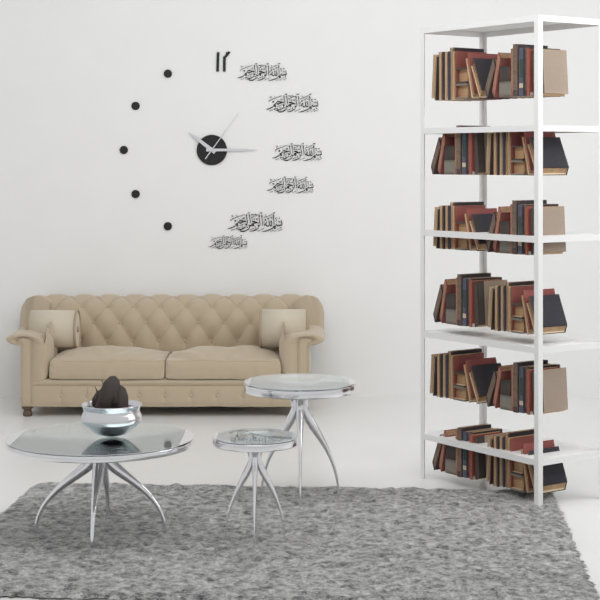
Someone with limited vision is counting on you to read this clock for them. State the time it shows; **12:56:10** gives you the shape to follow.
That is **10:15:06**
